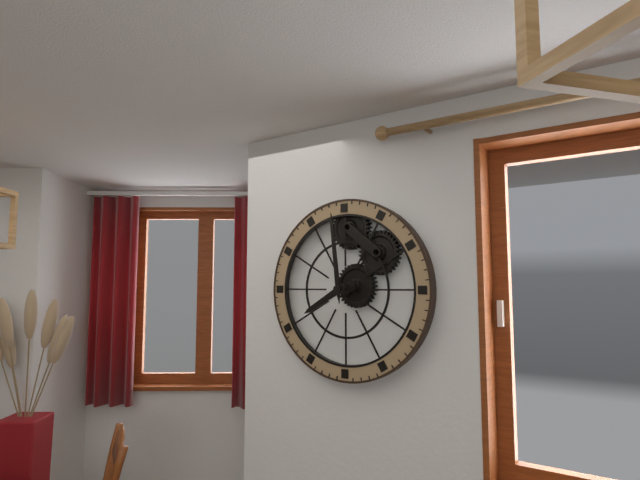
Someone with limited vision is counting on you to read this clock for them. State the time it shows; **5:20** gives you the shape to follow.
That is **7:59**
